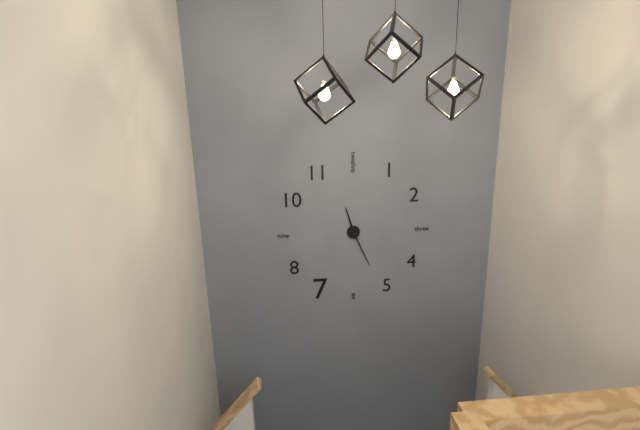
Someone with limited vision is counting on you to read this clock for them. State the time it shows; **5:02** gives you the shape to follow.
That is **11:26**
